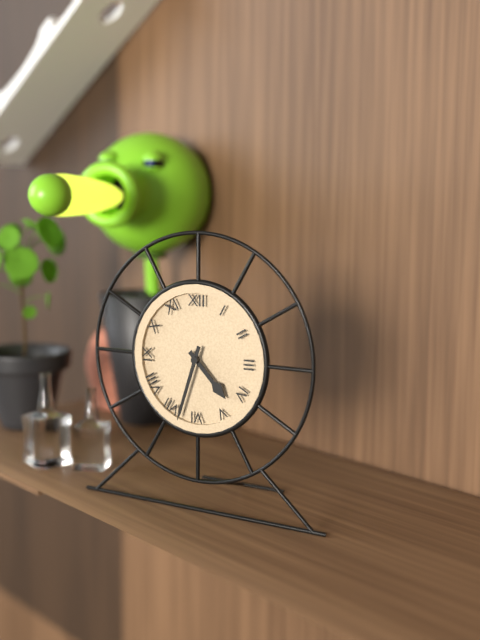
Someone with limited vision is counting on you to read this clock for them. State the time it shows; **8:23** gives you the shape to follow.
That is **4:33**
